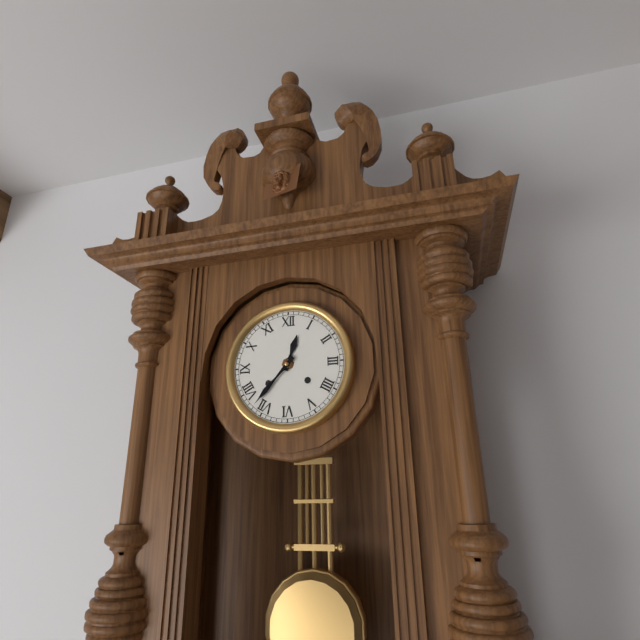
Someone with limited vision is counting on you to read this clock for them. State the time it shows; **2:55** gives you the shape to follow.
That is **12:37**
